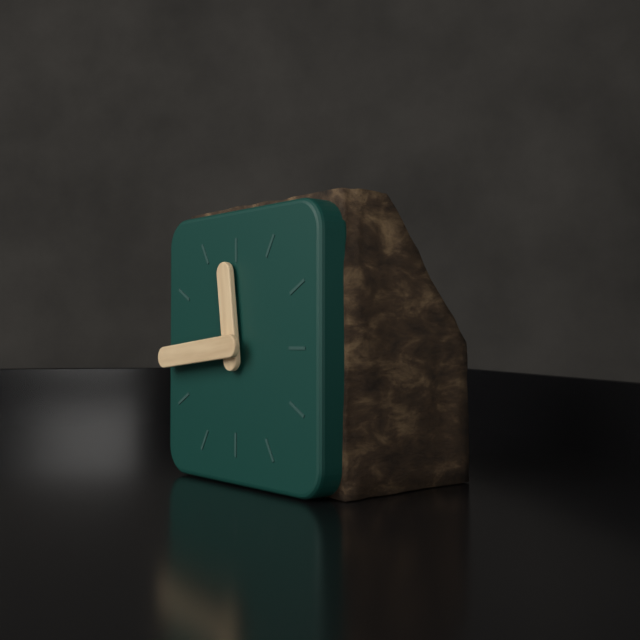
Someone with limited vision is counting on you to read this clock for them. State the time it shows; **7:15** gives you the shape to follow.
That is **11:44**
